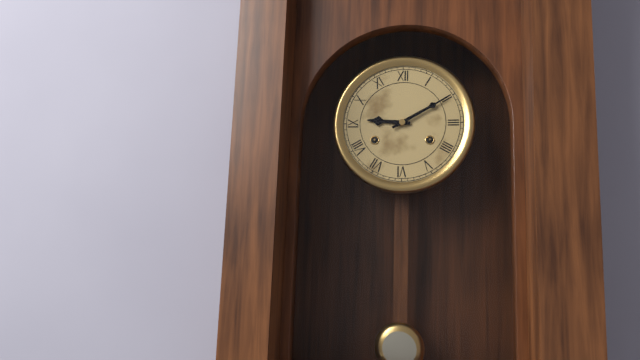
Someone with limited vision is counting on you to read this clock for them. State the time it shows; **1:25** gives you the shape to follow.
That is **9:10**
